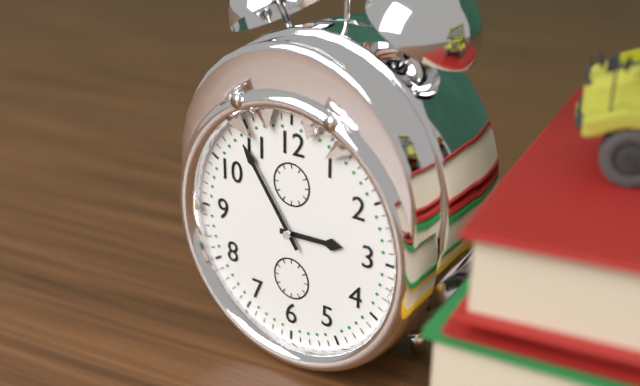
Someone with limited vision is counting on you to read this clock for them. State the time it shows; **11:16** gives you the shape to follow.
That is **2:54**
